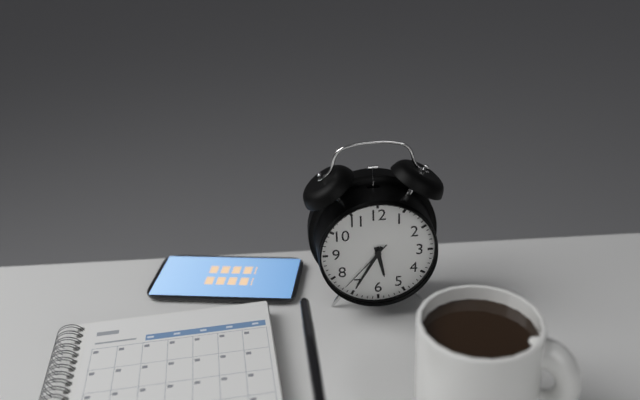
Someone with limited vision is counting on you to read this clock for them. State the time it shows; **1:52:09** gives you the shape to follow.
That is **5:35:37**
